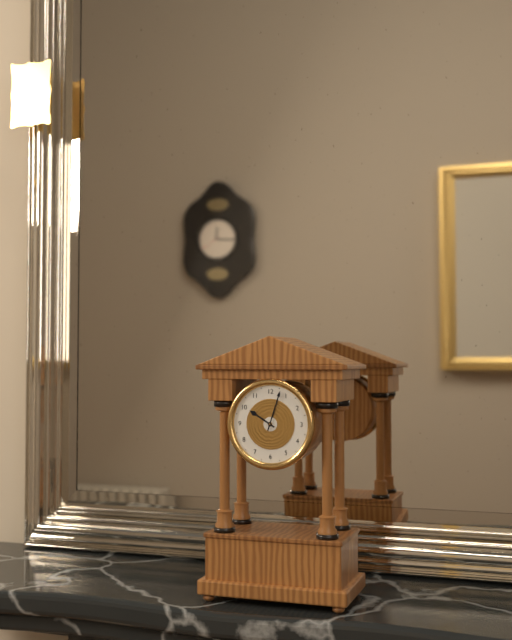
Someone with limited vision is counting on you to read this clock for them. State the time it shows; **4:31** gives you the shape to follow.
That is **10:03**
